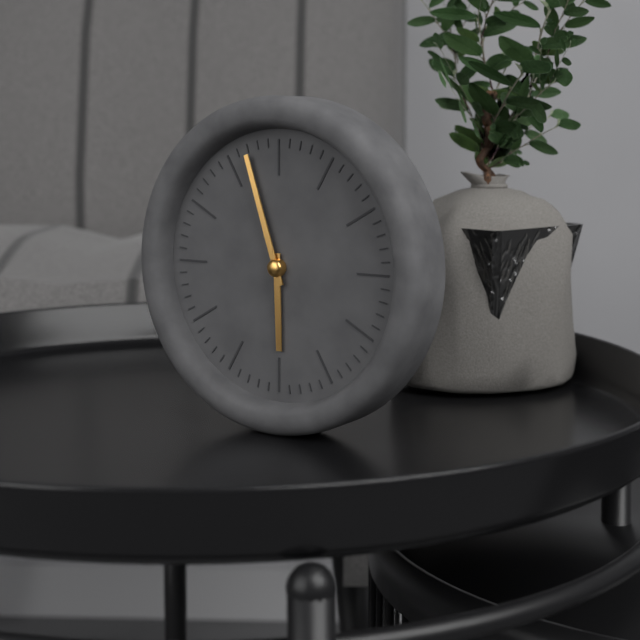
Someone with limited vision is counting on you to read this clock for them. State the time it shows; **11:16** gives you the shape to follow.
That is **5:57**
